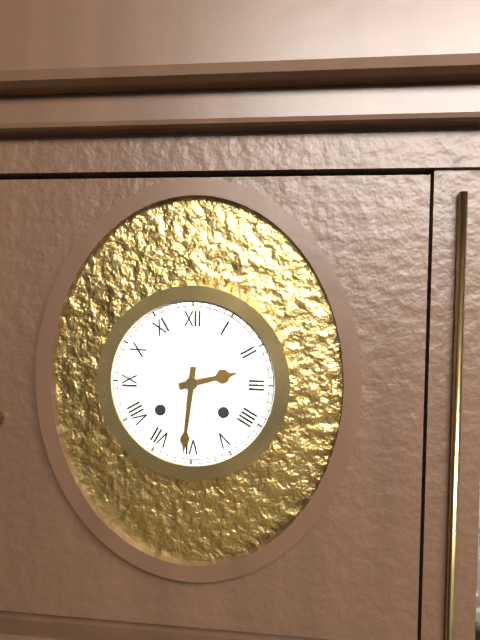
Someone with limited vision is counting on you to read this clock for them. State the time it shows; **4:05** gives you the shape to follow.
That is **2:31**
